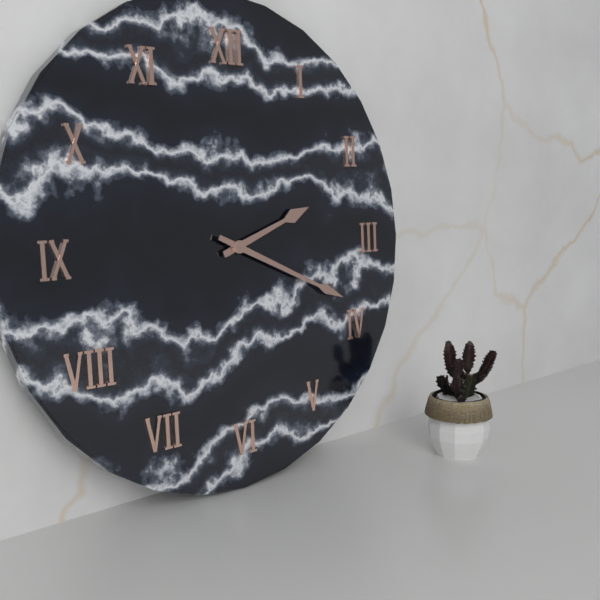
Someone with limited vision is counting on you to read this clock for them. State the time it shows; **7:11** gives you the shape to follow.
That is **2:19**
